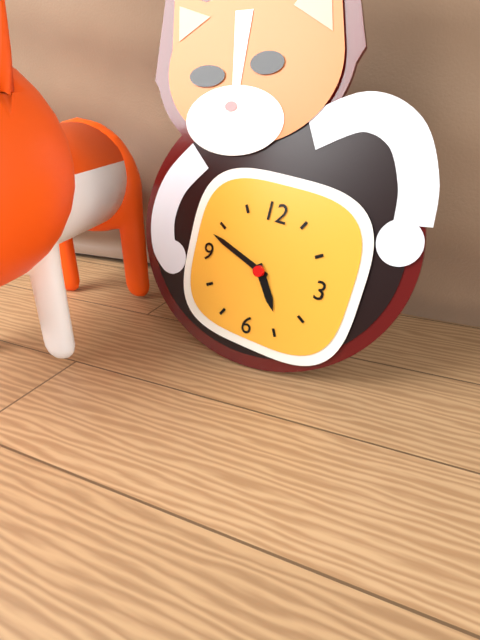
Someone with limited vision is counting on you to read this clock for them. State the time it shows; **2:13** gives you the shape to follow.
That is **4:48**
